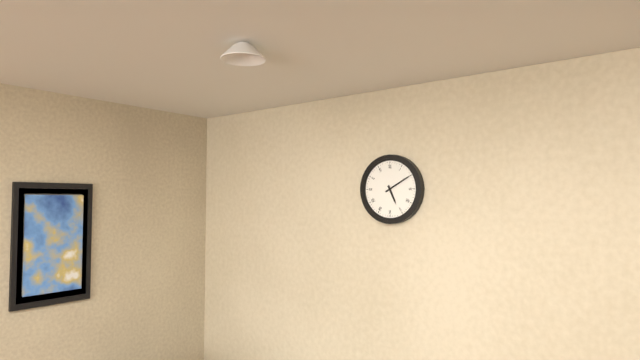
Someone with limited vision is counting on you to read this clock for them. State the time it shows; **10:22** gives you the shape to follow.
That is **5:10**
